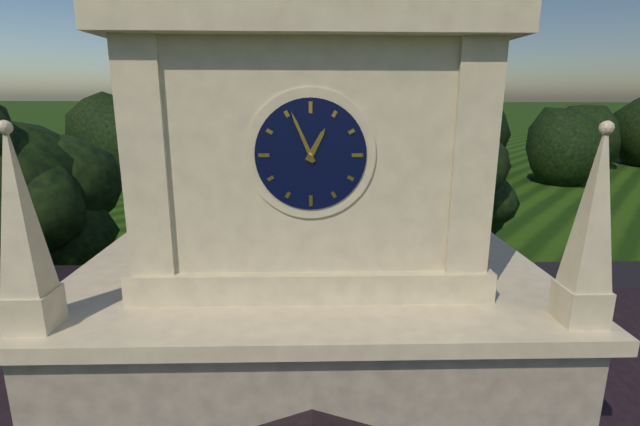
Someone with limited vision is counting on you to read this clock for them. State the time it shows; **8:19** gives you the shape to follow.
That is **12:56**
